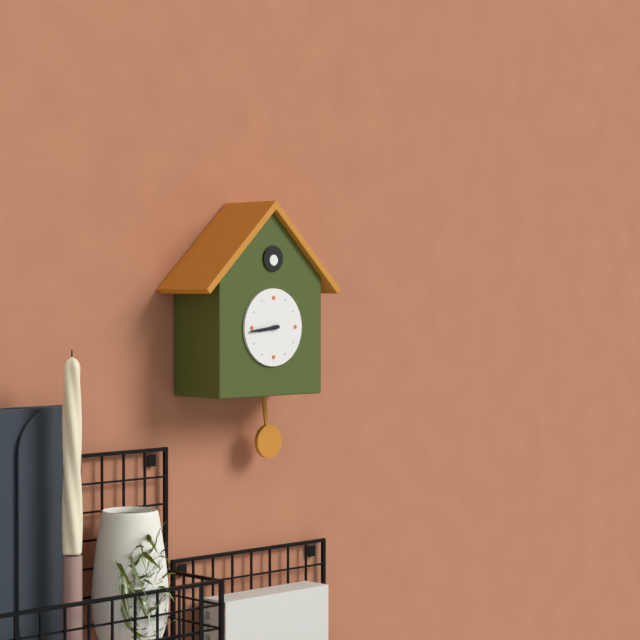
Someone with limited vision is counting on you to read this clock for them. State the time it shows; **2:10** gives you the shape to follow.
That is **8:44**
